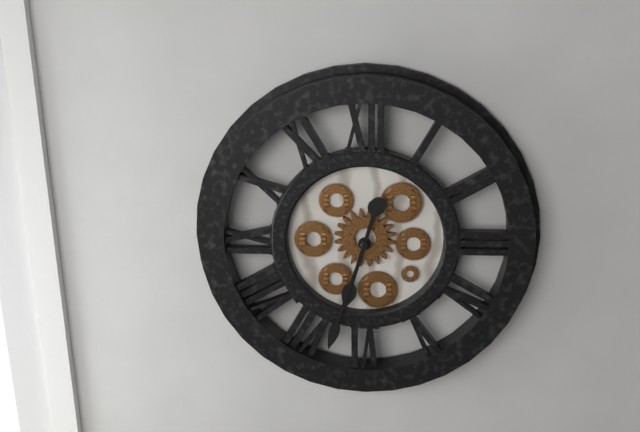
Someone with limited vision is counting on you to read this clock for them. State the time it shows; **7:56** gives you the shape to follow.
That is **6:33**
